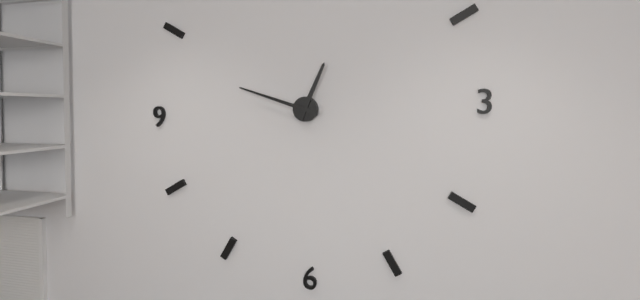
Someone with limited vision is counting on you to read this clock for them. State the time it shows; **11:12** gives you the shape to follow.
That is **12:48**
